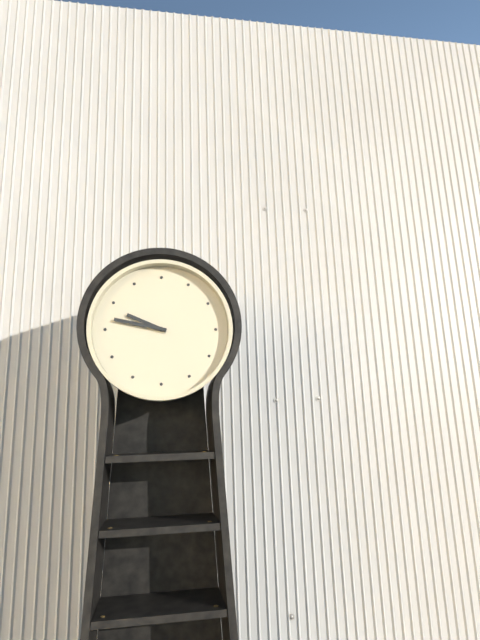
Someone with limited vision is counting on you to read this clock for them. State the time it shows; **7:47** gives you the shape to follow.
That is **9:47**
